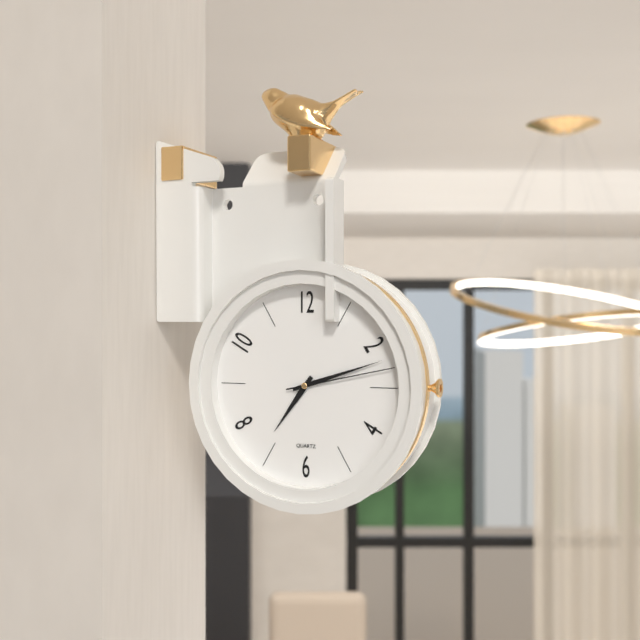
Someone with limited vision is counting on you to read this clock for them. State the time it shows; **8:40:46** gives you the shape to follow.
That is **7:12:13**
